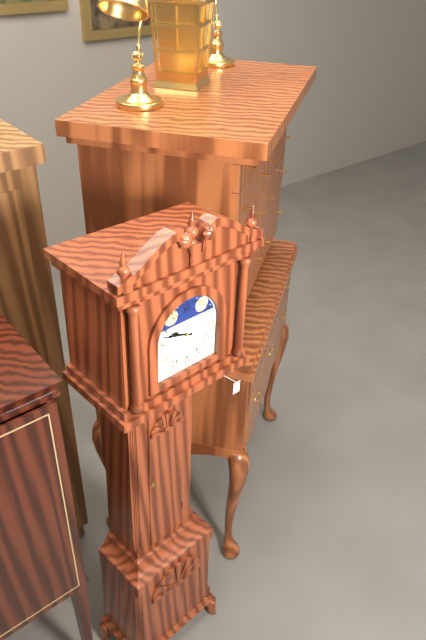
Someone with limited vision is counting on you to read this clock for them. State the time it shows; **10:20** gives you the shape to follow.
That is **9:48**
